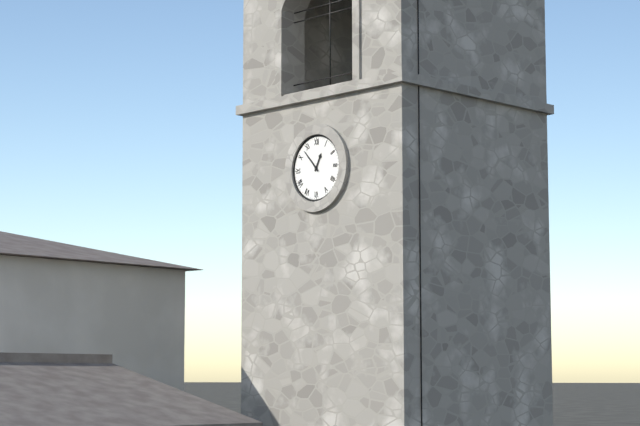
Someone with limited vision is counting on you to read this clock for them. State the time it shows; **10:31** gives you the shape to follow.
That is **12:53**
